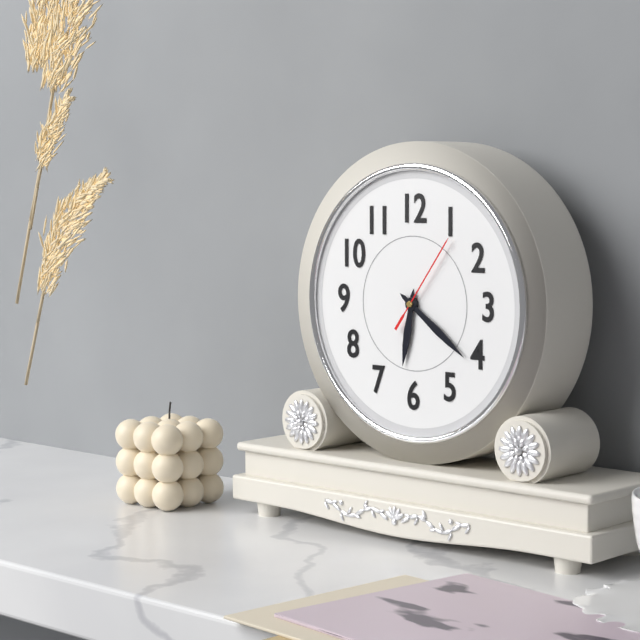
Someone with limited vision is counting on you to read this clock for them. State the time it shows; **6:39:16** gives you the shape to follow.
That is **6:21:06**
